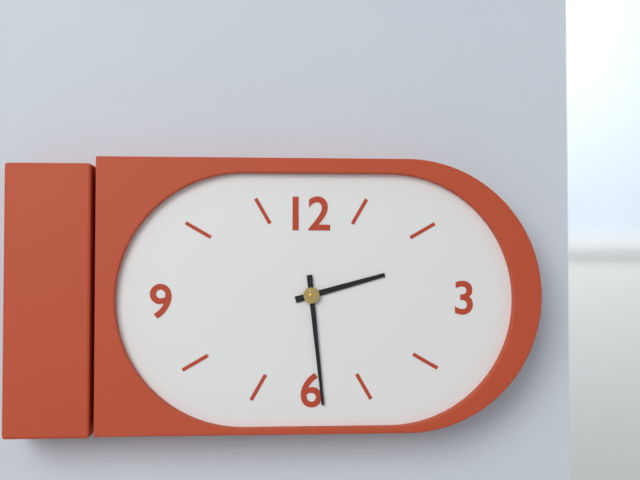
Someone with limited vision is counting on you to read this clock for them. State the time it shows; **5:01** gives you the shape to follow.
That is **2:29**
